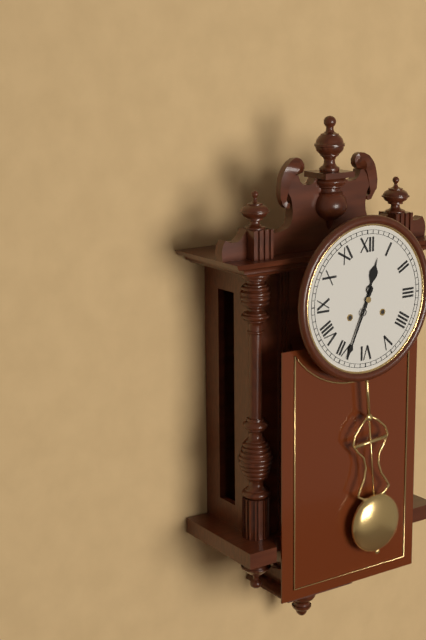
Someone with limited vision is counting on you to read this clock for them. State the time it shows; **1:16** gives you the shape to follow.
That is **12:34**
